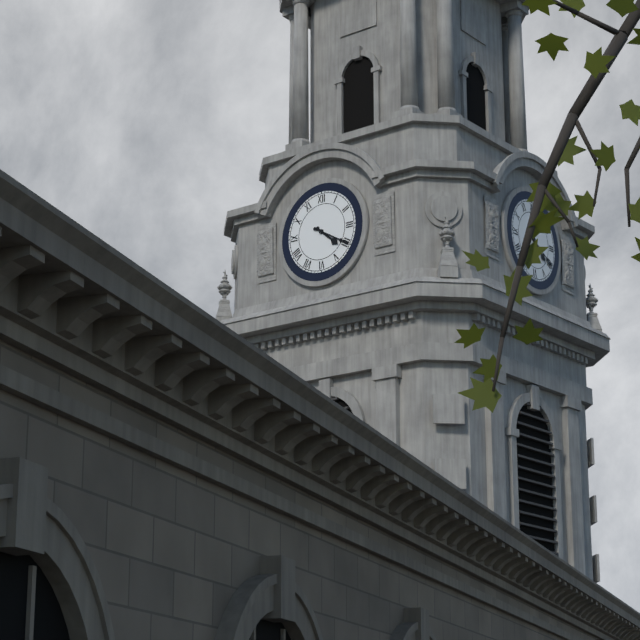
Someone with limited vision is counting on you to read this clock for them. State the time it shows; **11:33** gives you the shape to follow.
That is **4:20**
